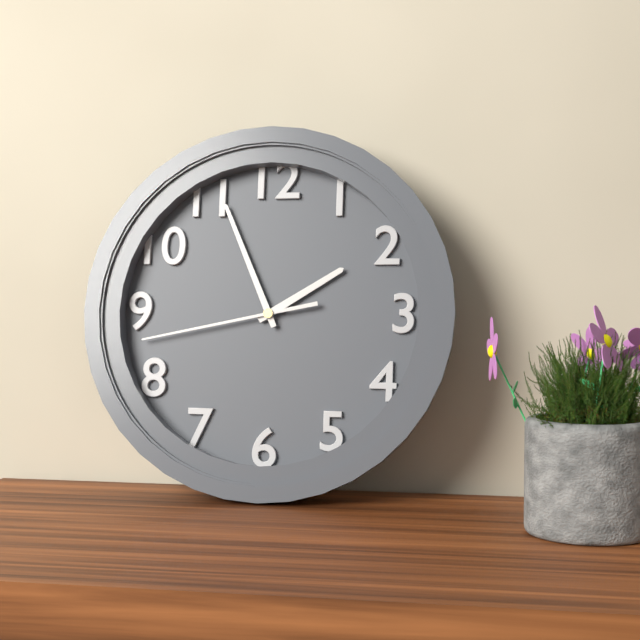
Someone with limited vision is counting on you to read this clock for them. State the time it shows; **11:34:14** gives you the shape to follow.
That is **1:56:43**
